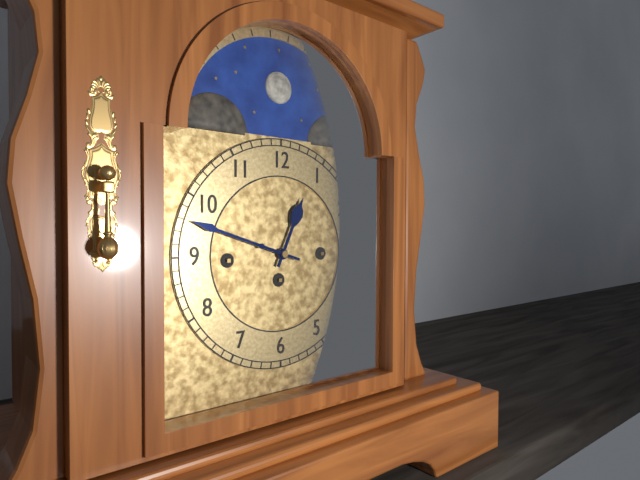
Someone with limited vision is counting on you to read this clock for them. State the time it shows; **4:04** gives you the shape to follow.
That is **12:48**
